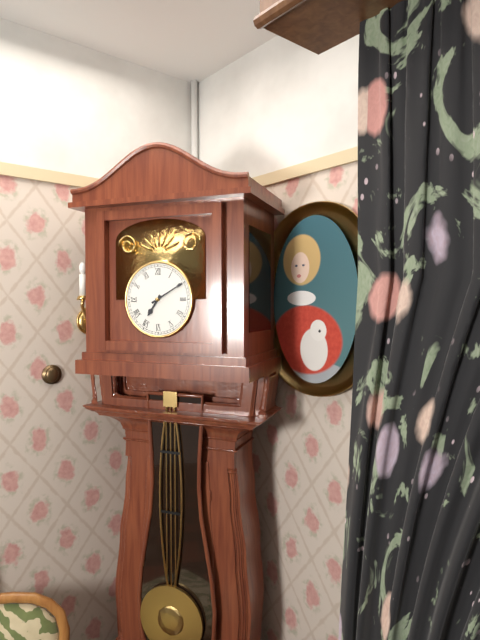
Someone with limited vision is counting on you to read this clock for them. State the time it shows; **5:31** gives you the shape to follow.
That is **7:10**
